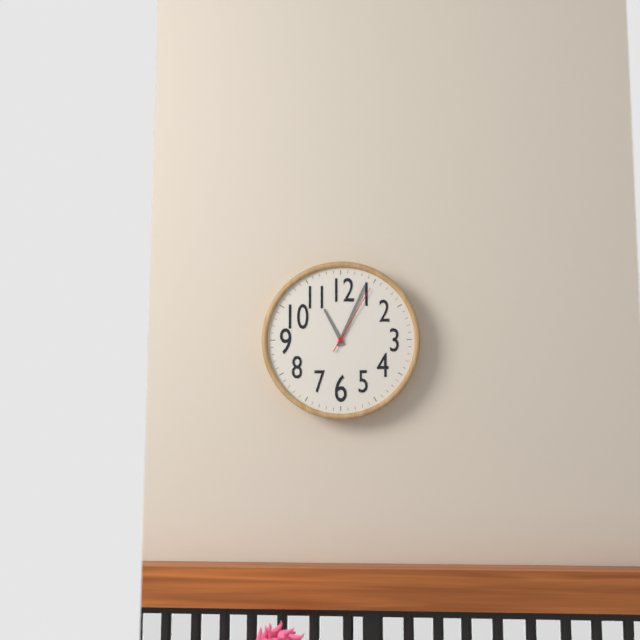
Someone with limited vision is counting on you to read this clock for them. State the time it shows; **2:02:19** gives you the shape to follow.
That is **11:04:05**
